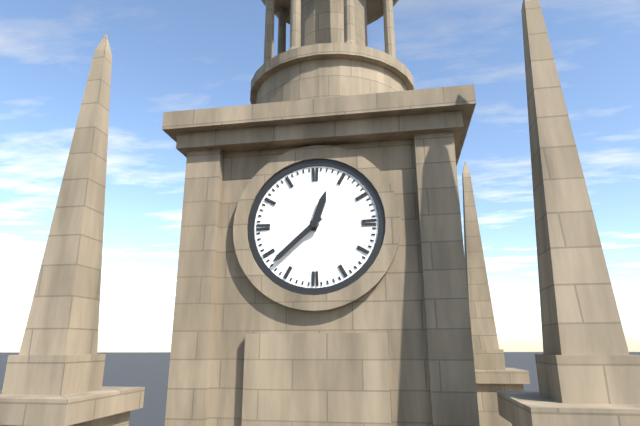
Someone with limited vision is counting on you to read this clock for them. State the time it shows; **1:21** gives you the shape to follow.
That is **12:38**
